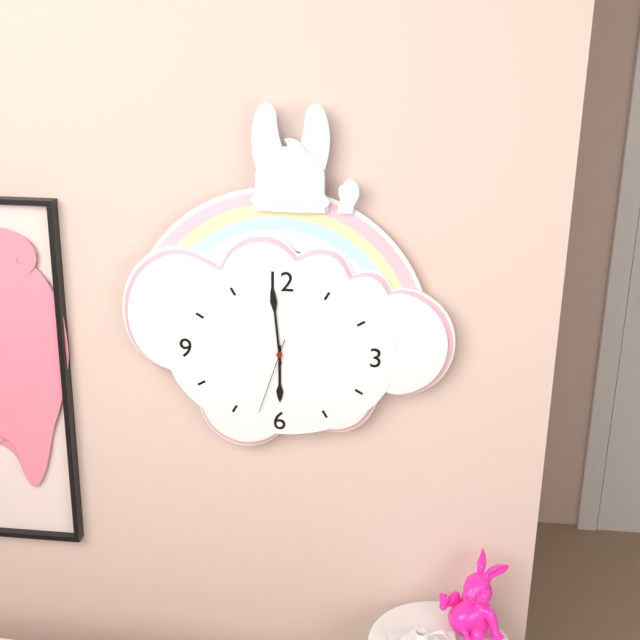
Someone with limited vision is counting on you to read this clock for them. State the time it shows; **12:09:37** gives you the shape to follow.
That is **5:59:33**
